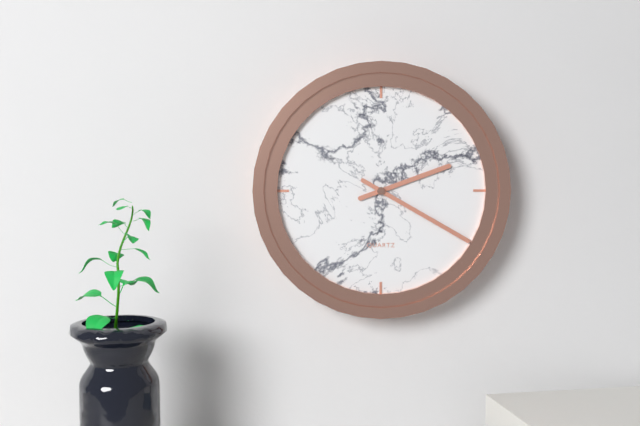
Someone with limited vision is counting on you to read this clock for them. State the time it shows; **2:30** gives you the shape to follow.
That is **2:20**
